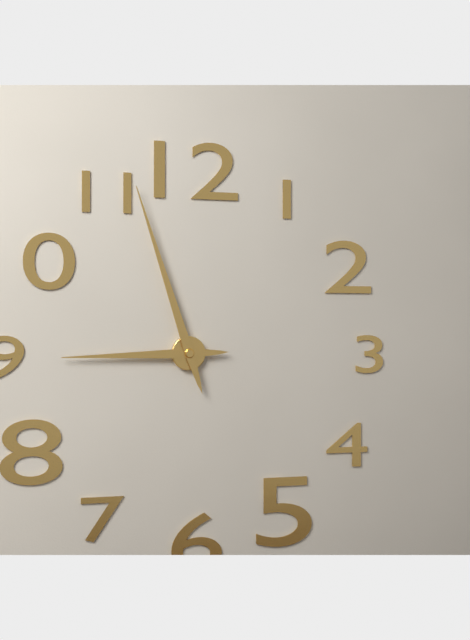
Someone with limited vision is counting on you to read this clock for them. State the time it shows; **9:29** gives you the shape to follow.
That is **8:57**
